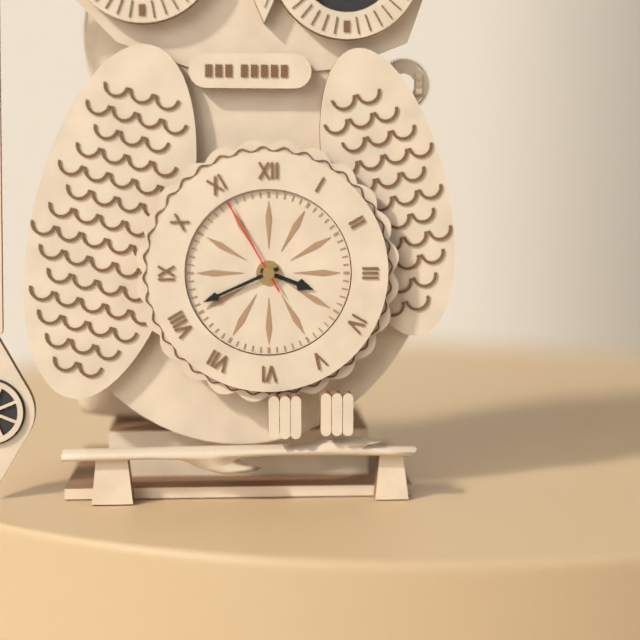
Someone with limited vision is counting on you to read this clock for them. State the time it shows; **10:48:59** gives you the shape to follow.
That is **3:41:55**
